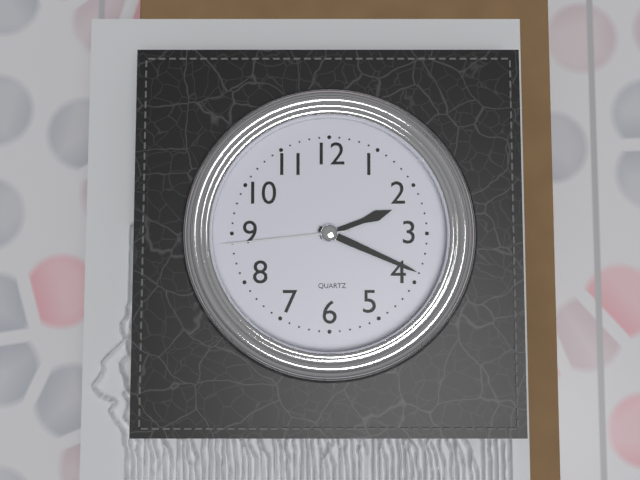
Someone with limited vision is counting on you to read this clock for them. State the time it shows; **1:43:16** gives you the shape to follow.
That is **2:19:44**
